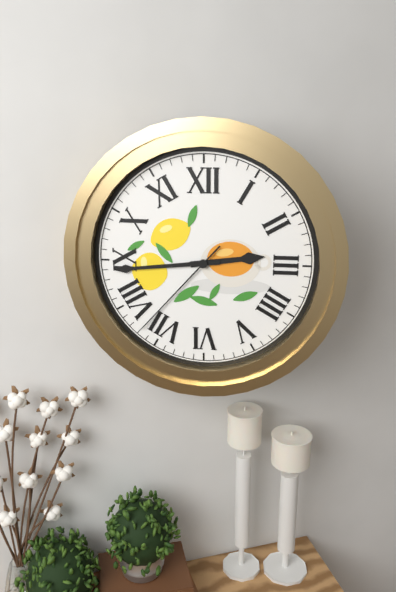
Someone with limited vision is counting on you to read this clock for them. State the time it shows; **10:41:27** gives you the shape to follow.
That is **2:44:37**
